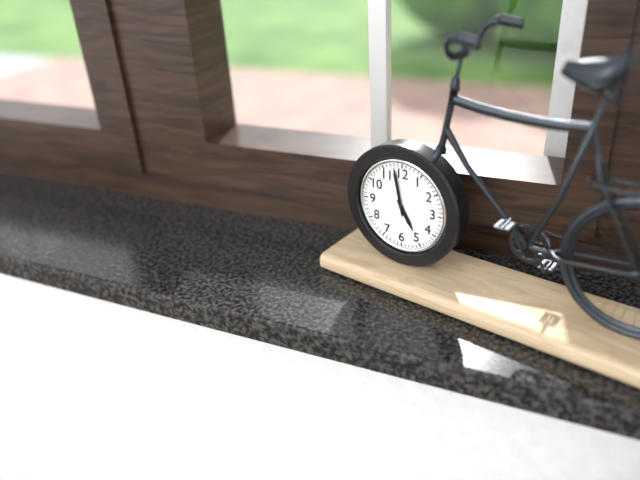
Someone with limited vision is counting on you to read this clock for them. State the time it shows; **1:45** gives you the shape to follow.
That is **4:58**
